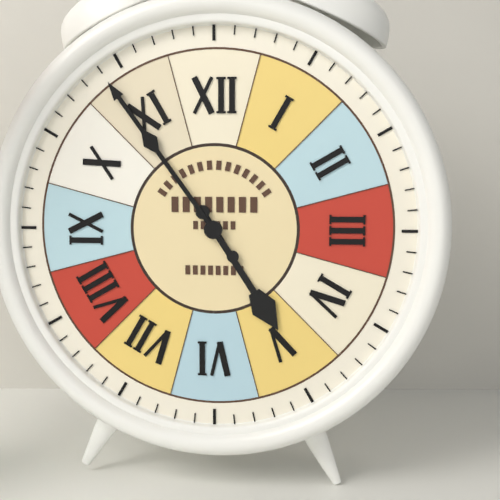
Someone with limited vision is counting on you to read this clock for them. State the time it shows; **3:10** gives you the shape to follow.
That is **4:54**
